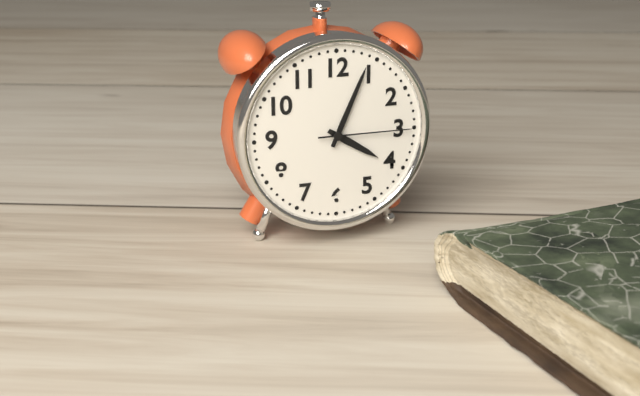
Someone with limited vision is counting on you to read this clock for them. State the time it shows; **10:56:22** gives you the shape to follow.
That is **4:04:15**
